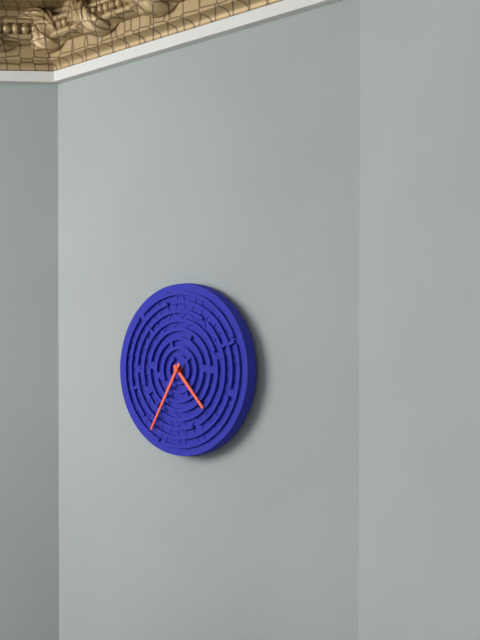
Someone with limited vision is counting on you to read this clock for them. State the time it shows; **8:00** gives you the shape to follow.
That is **4:35**
